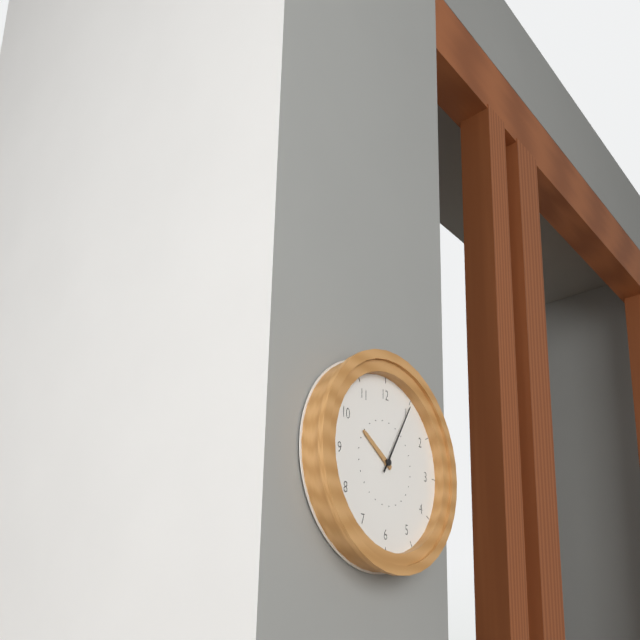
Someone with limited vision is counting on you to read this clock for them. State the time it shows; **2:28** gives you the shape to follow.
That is **10:05**
